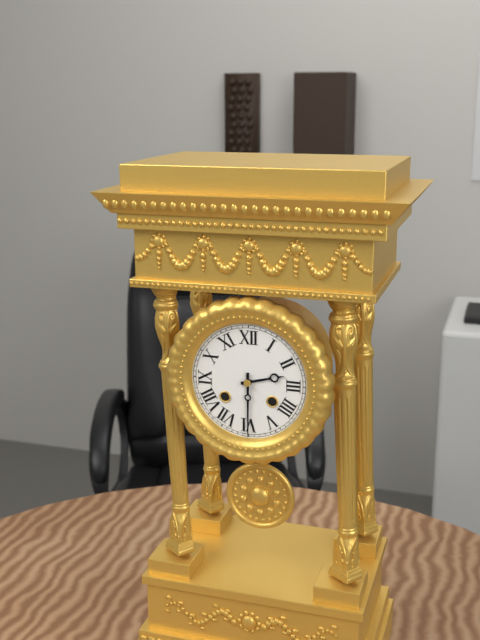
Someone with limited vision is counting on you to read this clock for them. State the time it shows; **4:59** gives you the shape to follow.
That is **2:30**
